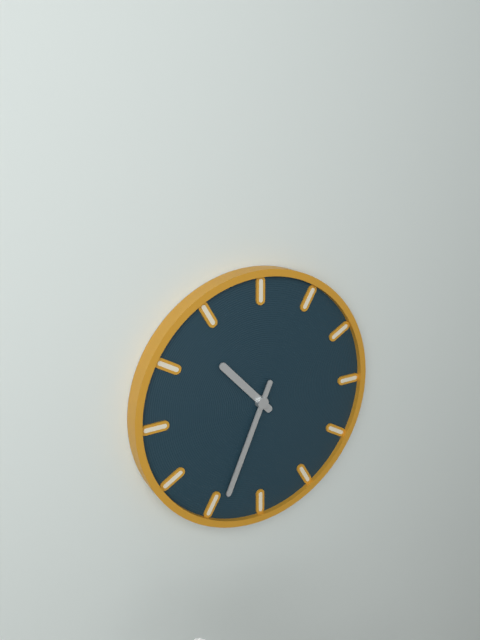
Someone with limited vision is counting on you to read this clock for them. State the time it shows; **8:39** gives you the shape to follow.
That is **10:34**
